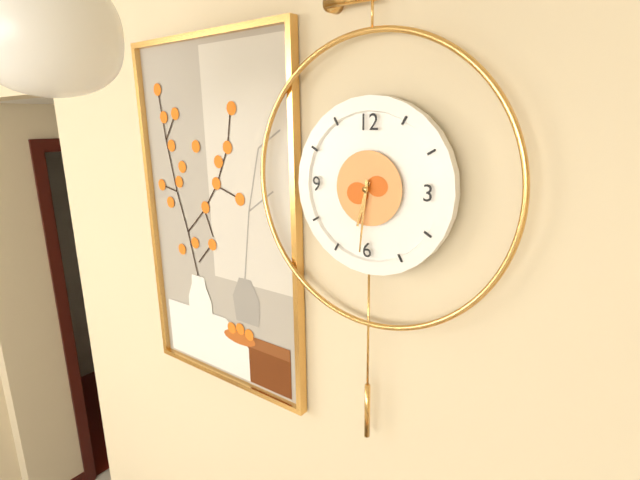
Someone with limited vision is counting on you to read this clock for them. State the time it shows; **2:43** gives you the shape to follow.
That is **6:31**
